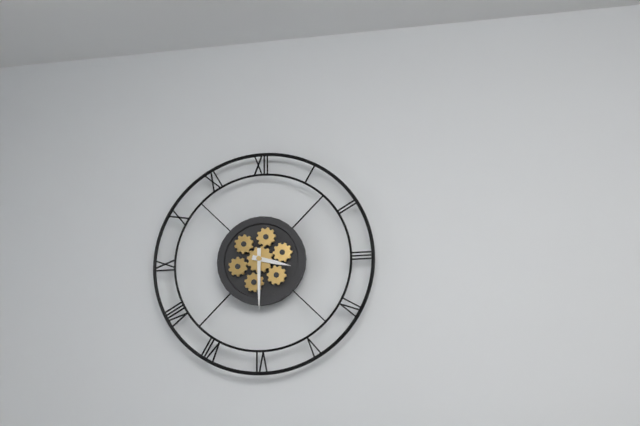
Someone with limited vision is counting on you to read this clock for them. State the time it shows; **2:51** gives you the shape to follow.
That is **3:30**
